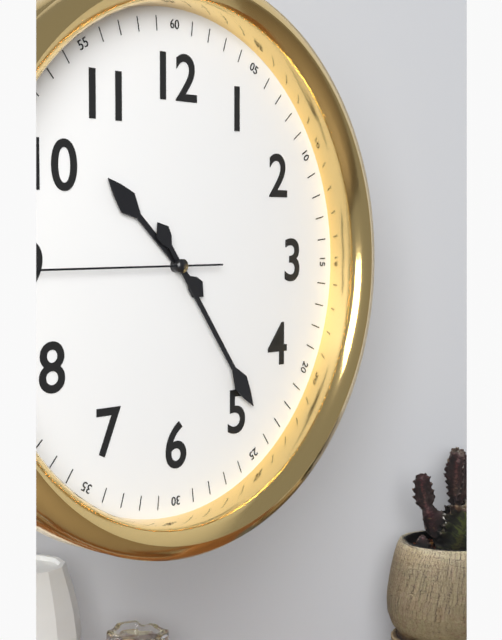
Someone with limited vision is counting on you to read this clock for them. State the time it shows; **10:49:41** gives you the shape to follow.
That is **10:24:45**
